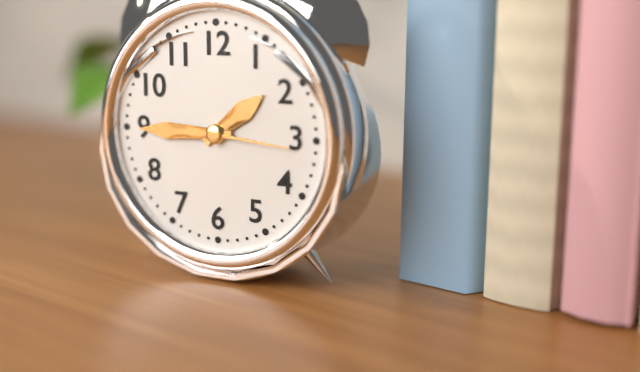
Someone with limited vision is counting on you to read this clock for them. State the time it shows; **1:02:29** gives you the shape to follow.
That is **1:45:16**
